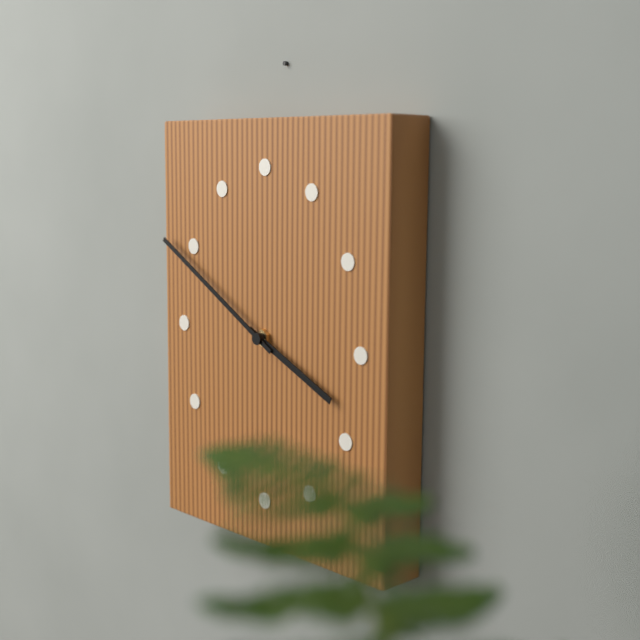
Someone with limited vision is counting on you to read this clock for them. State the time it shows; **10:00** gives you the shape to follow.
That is **3:50**
